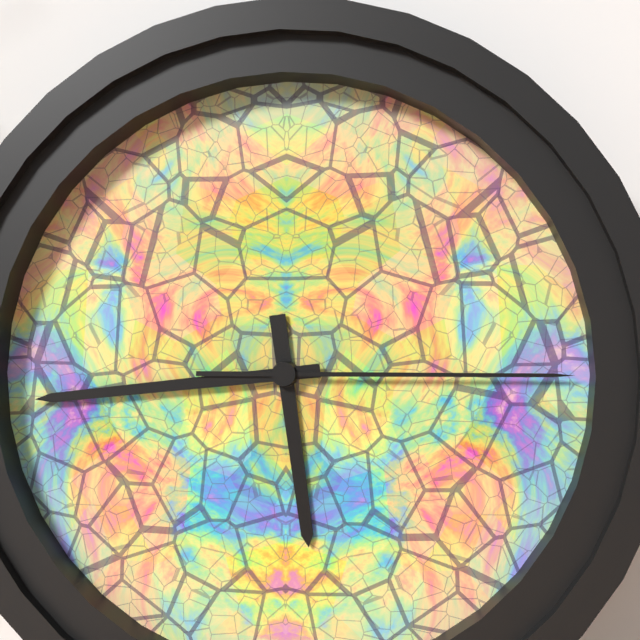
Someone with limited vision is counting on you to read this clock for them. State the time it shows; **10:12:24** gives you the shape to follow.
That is **5:44:15**
